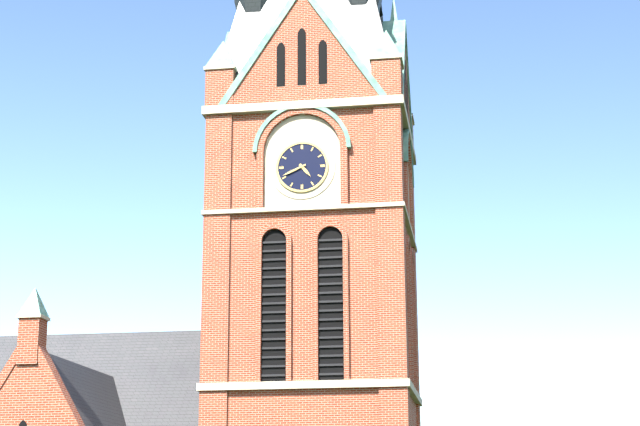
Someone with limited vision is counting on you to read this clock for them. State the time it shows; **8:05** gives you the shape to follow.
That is **4:41**
